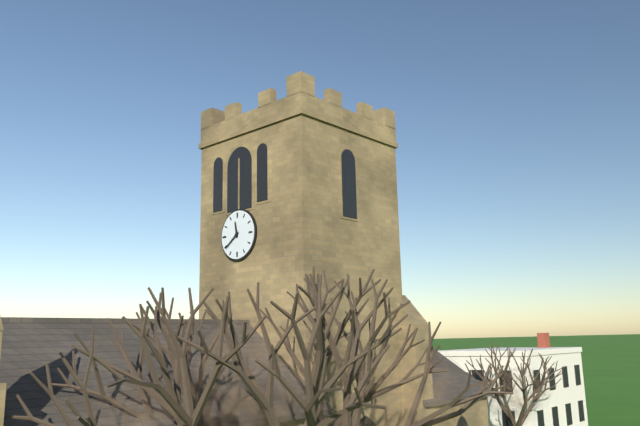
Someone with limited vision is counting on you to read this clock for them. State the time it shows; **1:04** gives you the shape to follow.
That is **11:39**
